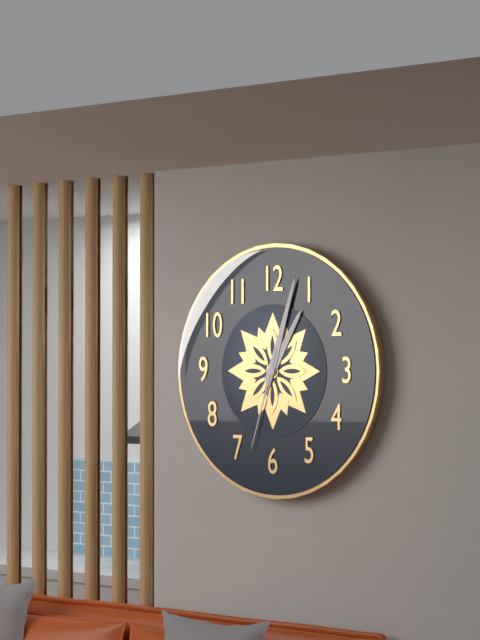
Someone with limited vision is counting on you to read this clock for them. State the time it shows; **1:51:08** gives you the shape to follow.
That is **1:03:33**
